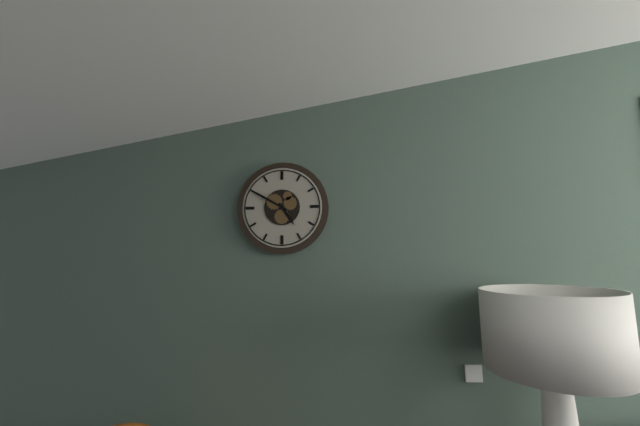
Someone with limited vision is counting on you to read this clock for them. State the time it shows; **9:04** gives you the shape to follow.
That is **4:50**
